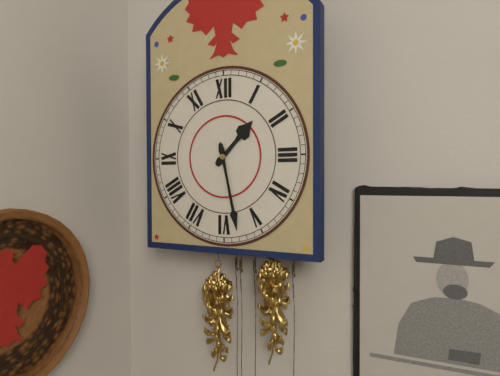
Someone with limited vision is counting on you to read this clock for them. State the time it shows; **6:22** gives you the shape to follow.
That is **1:28**
